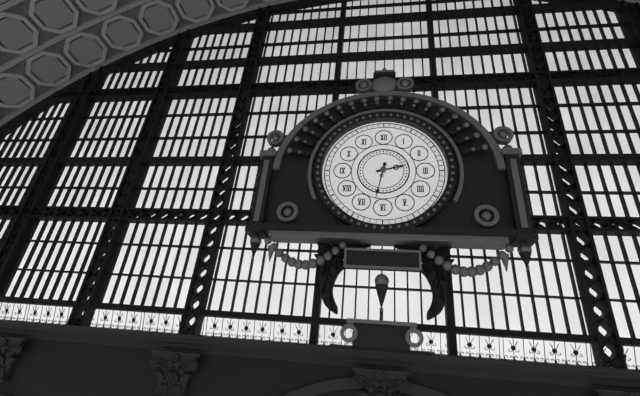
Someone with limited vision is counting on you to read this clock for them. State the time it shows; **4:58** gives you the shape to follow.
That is **2:32**
